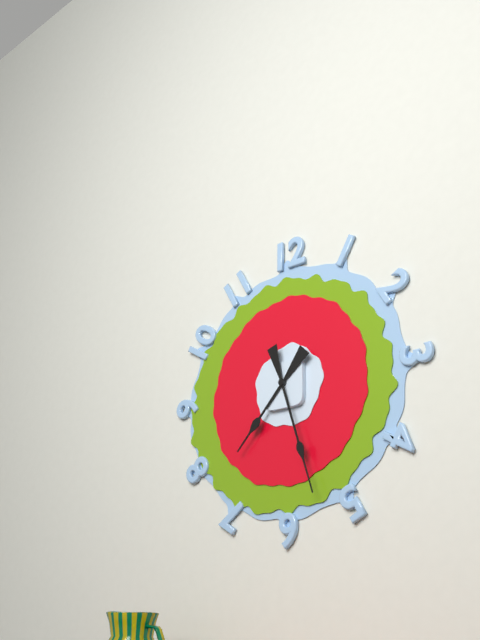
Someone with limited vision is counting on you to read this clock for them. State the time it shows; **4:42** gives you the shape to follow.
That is **7:27**
